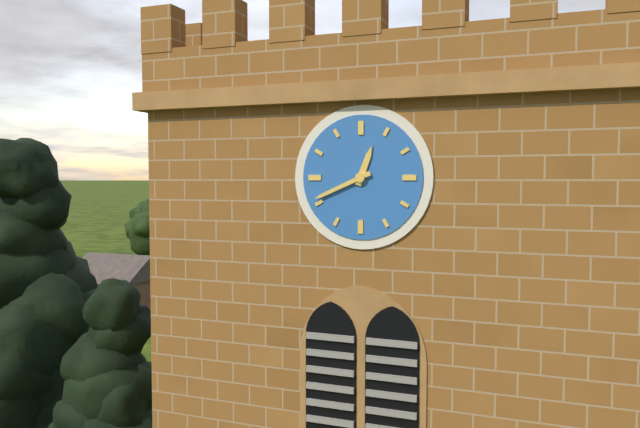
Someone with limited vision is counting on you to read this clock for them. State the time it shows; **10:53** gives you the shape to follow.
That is **12:41**
